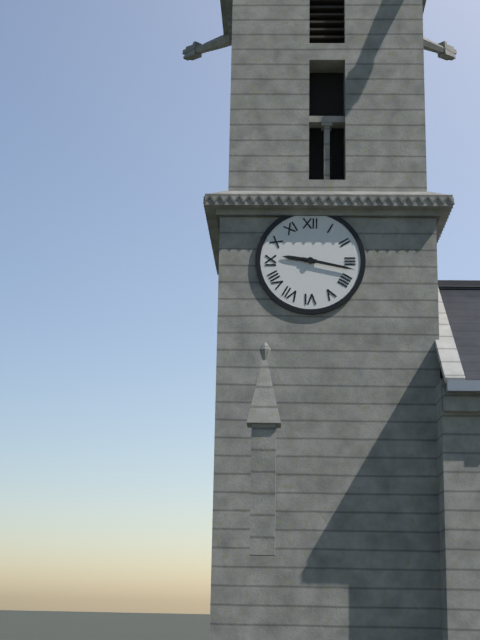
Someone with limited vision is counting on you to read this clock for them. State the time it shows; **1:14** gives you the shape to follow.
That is **9:17**
